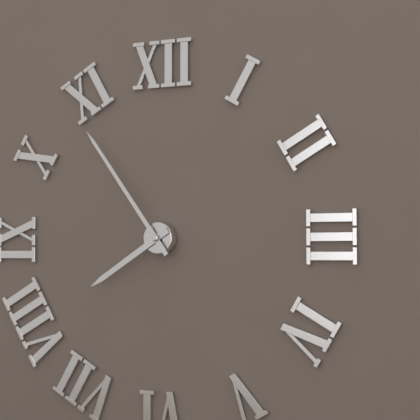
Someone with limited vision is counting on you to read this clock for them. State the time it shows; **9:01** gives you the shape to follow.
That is **7:54**
